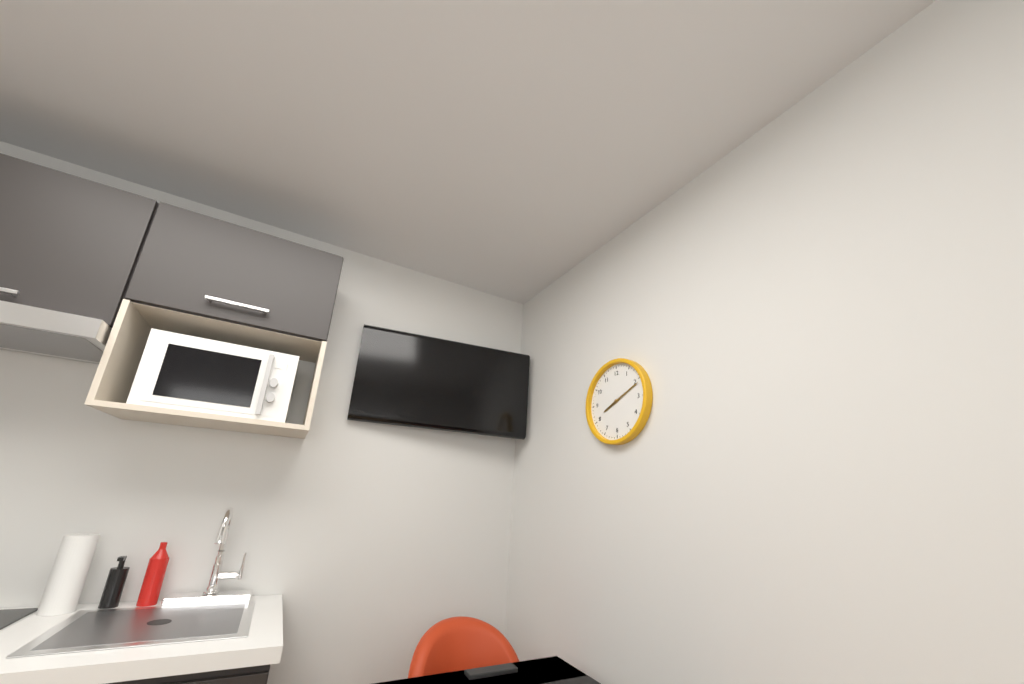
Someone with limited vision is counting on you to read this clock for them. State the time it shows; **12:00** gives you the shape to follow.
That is **8:11**
